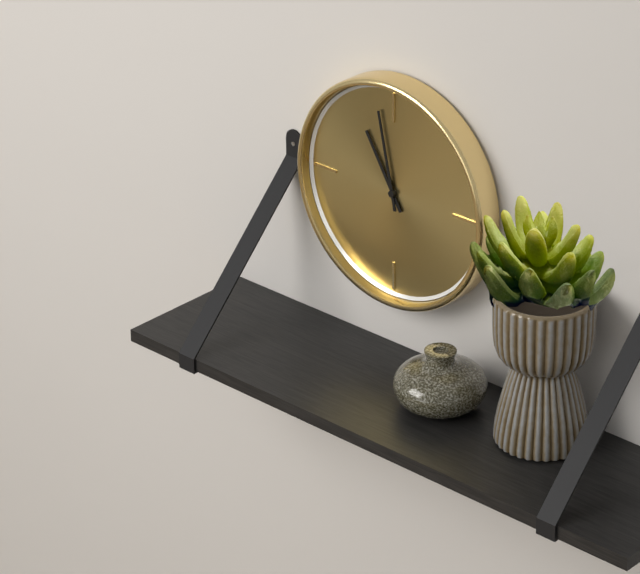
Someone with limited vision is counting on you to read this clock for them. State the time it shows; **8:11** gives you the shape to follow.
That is **10:58**
